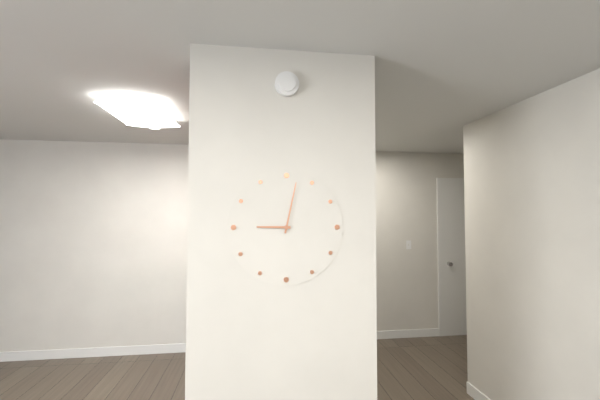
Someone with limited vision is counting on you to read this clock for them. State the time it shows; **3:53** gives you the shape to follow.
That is **9:02**
